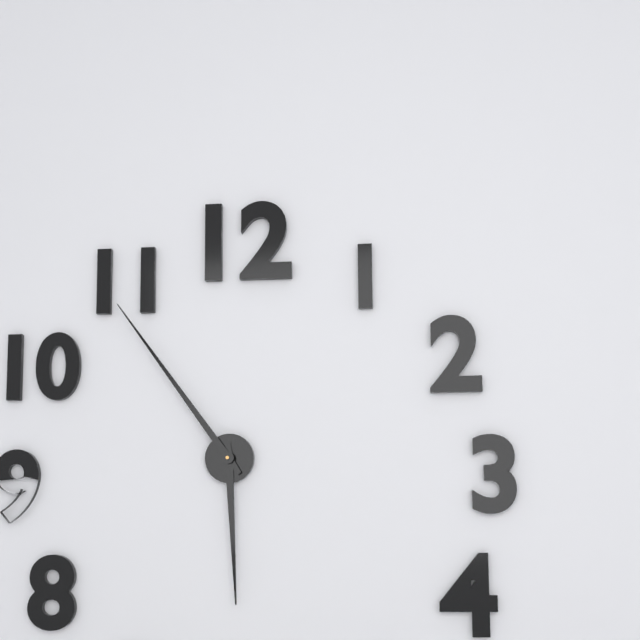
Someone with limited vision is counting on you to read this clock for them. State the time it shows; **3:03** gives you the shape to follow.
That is **5:54**
